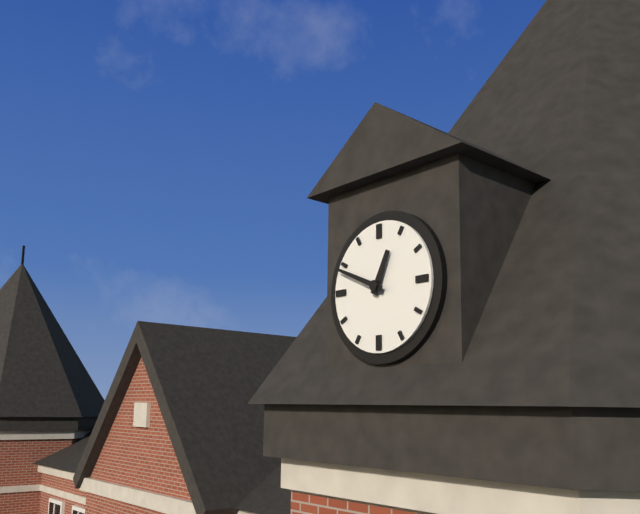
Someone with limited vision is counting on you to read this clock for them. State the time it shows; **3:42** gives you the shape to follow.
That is **12:49**
